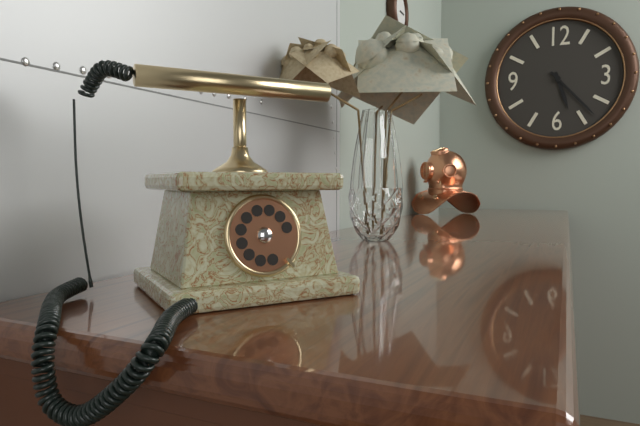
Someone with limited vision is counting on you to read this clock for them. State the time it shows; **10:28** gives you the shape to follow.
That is **5:23**
